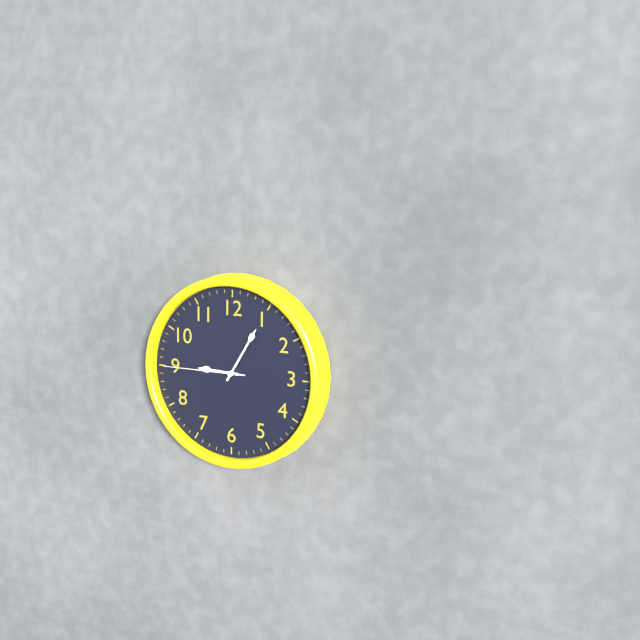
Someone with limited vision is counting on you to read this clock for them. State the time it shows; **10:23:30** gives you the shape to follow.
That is **9:05:45**
